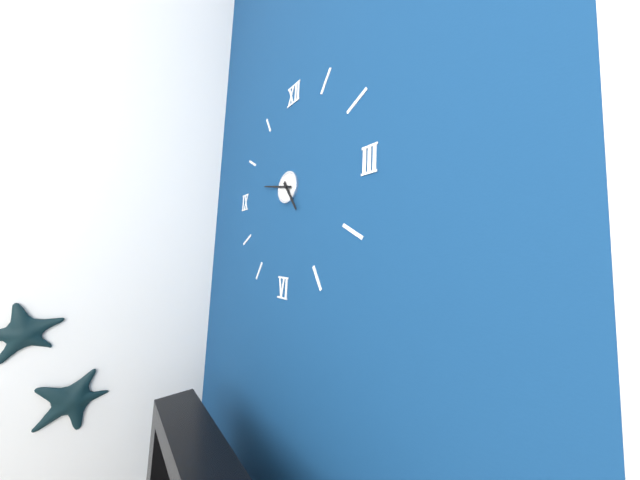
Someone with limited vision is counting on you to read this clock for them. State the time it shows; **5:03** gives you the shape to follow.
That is **4:47**
